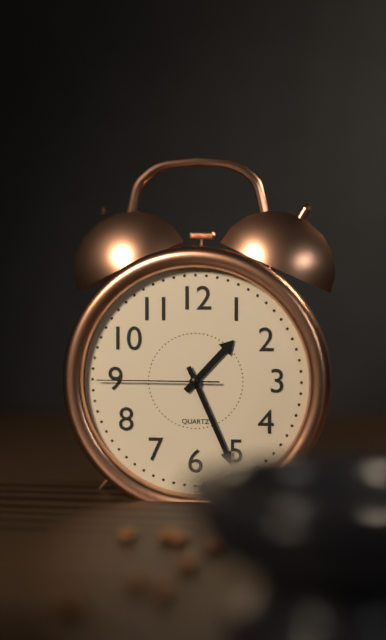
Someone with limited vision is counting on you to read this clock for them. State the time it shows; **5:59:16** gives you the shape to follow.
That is **1:26:45**
